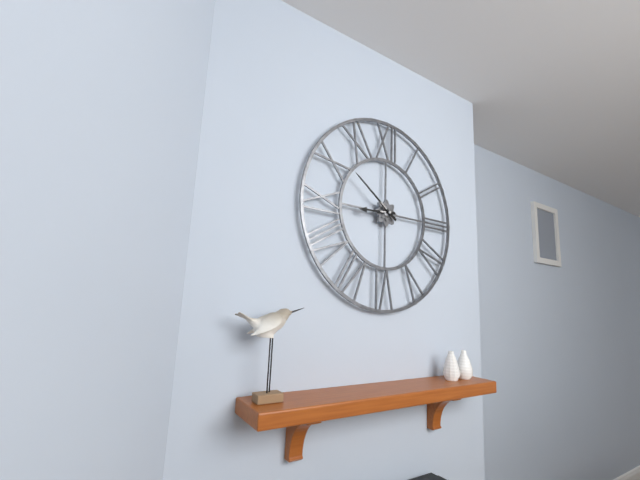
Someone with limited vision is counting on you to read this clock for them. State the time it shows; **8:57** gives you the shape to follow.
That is **8:51**
